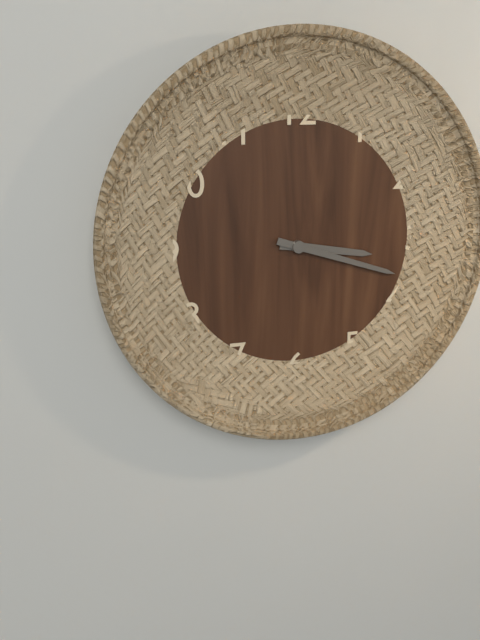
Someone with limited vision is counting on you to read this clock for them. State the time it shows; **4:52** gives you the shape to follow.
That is **3:18**
